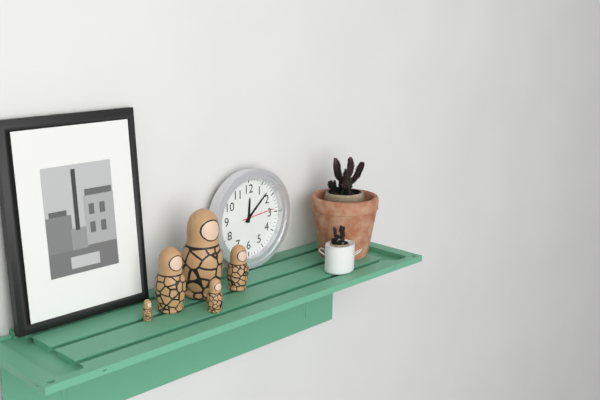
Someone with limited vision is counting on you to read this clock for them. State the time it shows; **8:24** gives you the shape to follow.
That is **12:08**
